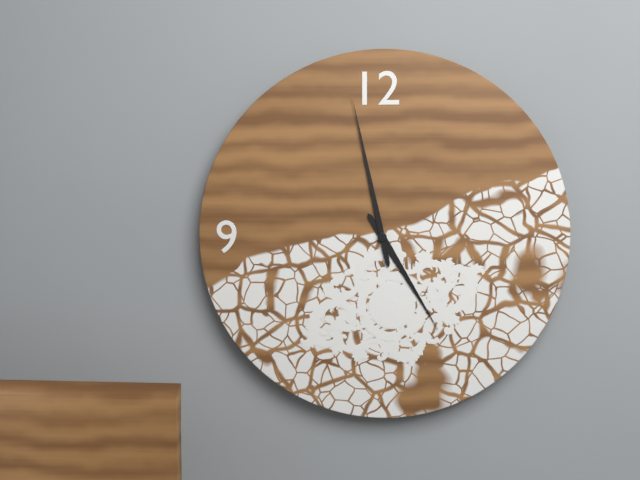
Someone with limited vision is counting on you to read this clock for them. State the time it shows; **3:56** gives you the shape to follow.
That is **4:58**
